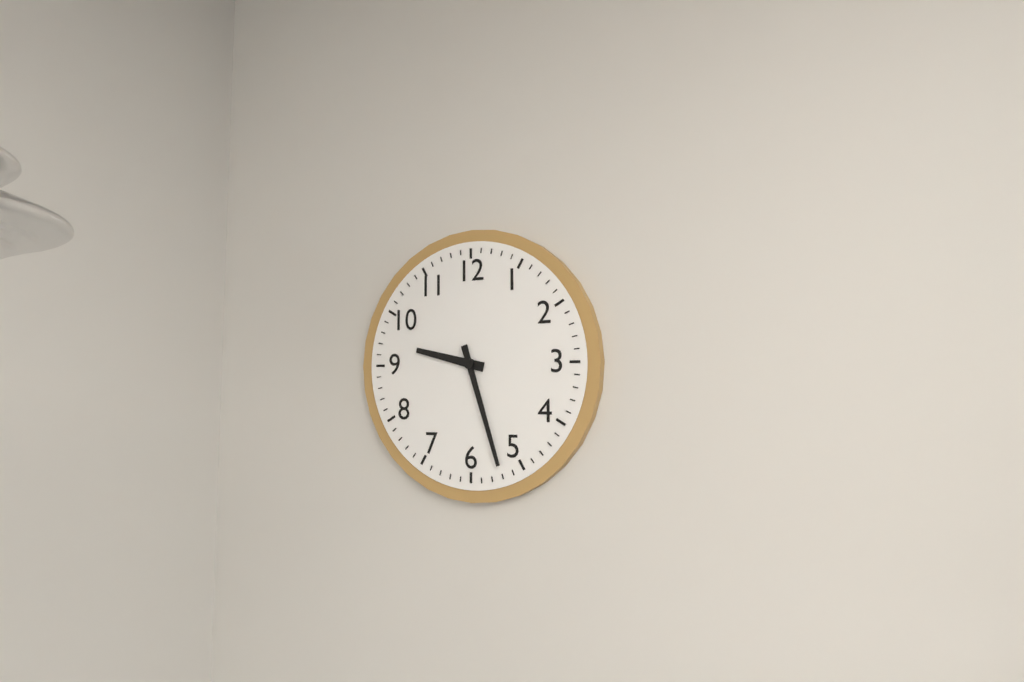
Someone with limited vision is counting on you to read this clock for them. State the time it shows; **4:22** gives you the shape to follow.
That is **9:27**
